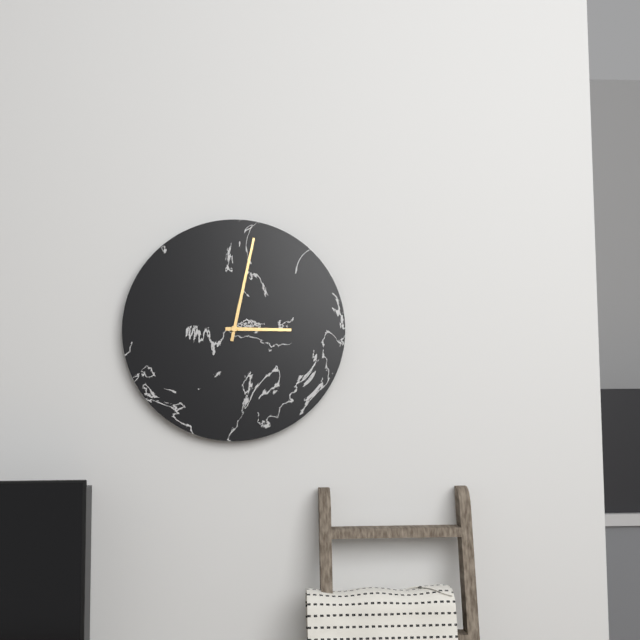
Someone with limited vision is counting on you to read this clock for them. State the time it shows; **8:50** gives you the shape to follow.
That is **3:02**
